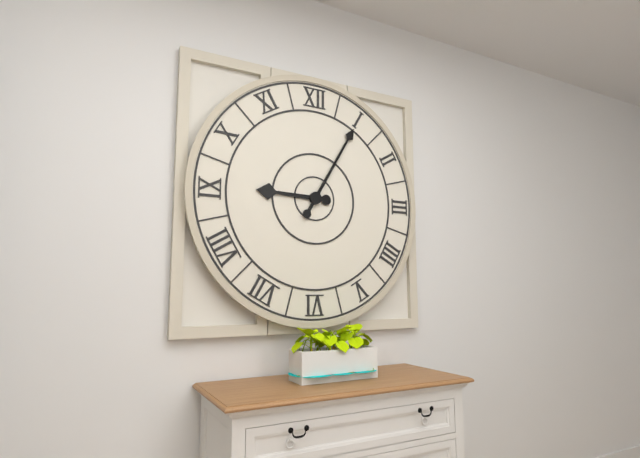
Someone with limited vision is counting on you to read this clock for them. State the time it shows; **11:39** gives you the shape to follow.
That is **9:05**
